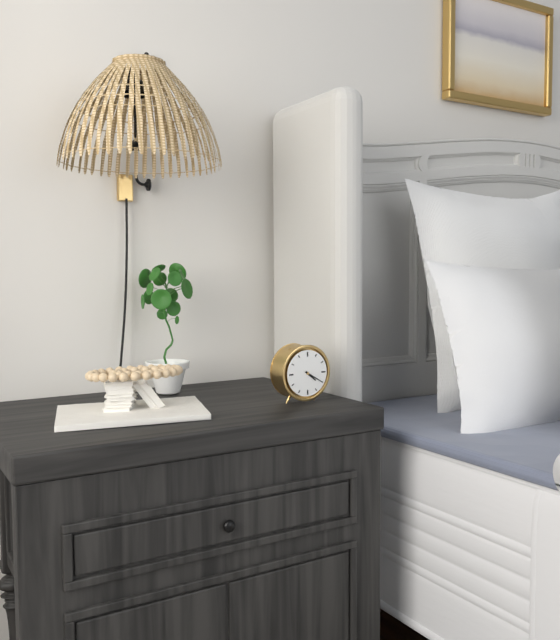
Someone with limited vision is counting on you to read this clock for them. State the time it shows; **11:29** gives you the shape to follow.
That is **4:20**
